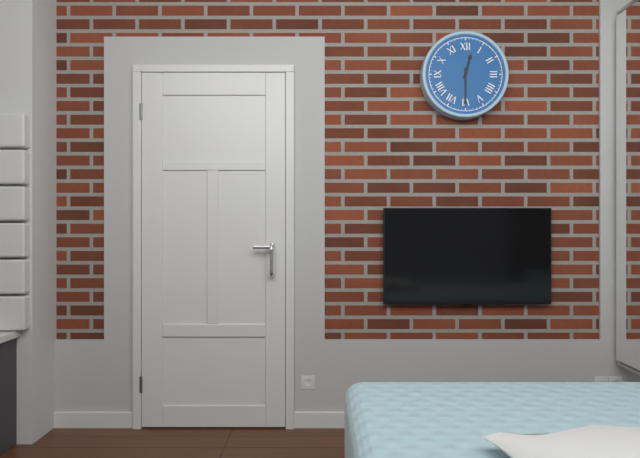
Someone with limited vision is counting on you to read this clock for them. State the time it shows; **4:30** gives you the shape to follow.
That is **12:30**
